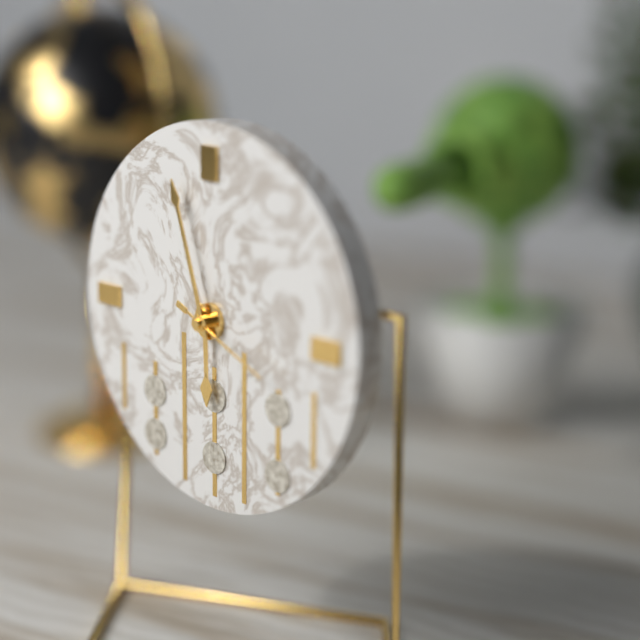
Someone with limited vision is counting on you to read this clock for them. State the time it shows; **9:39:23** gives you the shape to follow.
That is **5:57:19**
